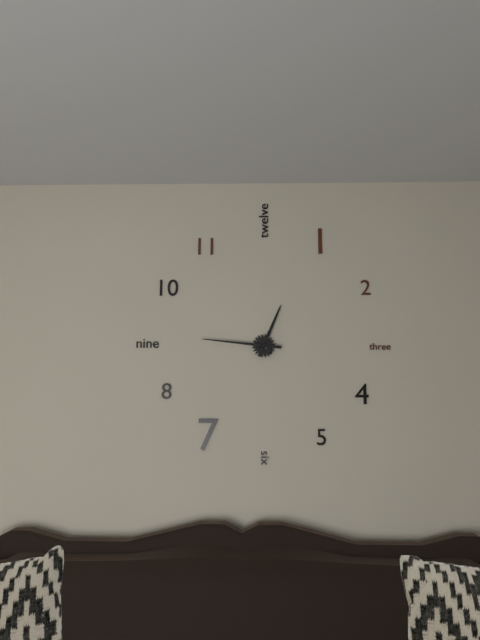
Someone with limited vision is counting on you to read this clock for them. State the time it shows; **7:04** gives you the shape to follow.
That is **12:46**
